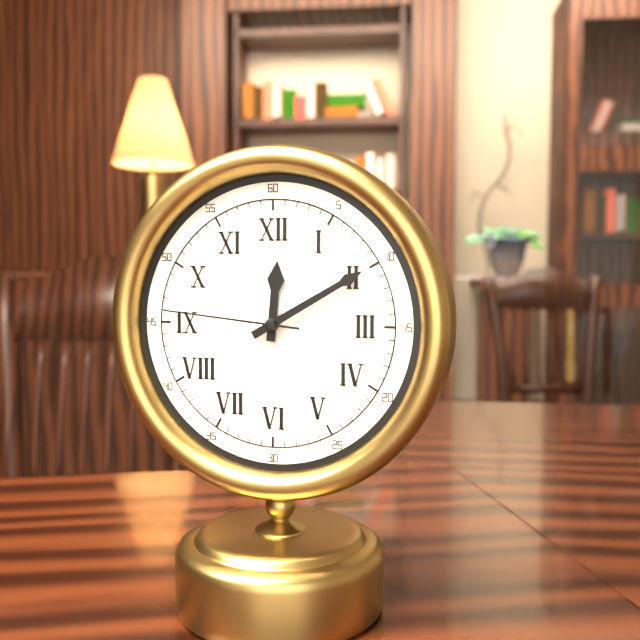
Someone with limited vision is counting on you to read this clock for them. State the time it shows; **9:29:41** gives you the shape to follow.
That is **12:10:46**
